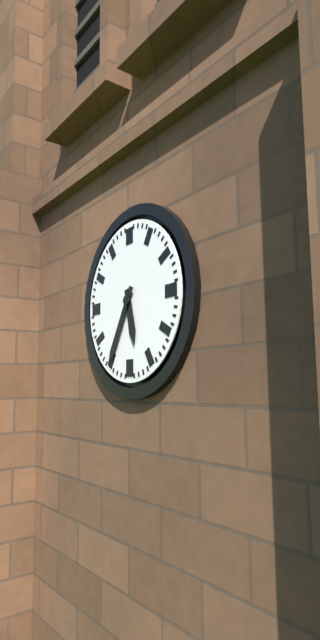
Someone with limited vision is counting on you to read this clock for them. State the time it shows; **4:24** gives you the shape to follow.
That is **5:35**
